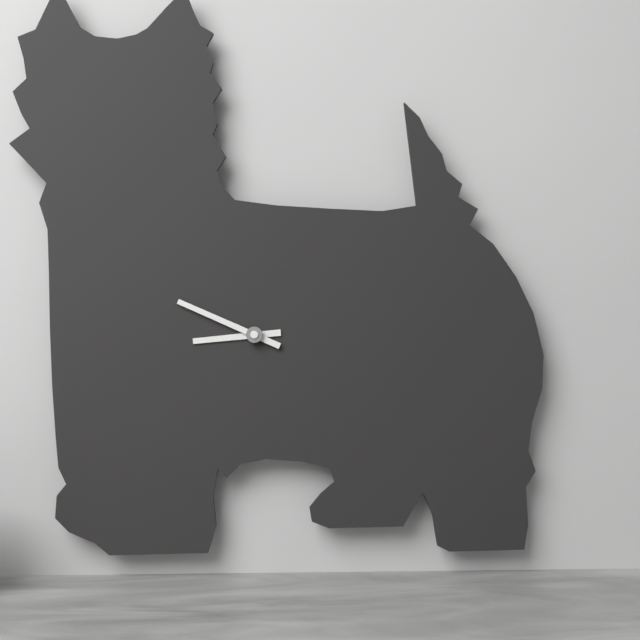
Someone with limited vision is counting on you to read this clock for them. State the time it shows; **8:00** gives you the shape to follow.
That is **8:49**
